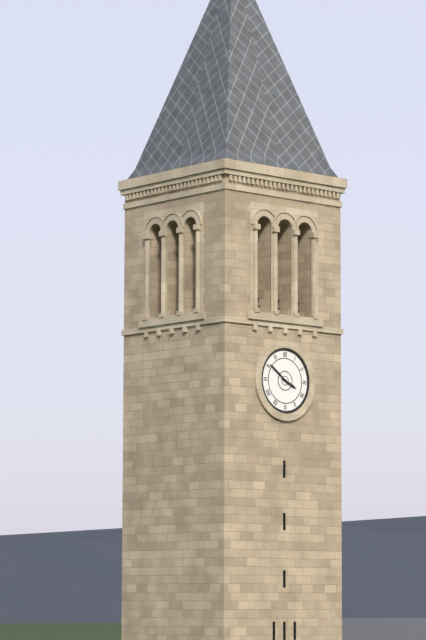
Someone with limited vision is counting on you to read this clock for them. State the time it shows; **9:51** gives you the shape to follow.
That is **3:51**
